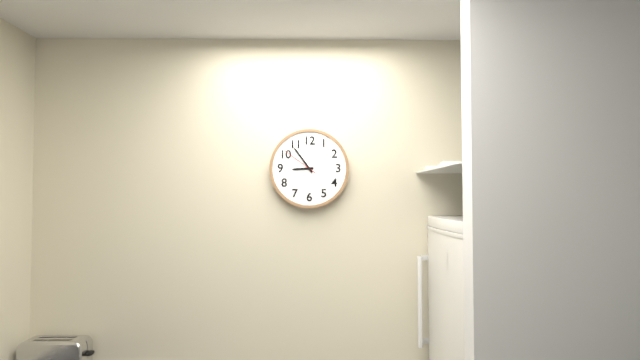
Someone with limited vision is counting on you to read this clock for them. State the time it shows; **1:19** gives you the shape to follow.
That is **8:54**
